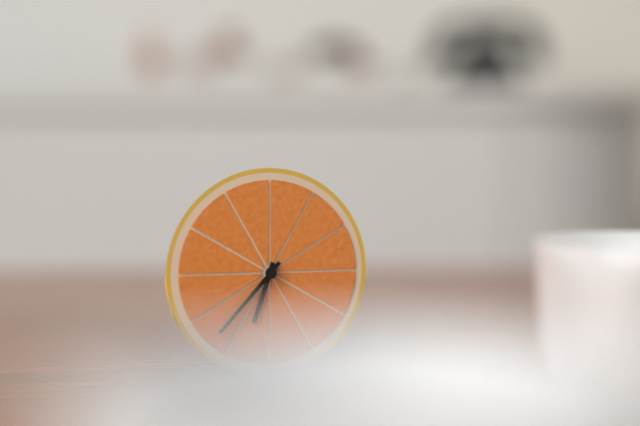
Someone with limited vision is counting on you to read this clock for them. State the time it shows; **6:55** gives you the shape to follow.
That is **6:37**
